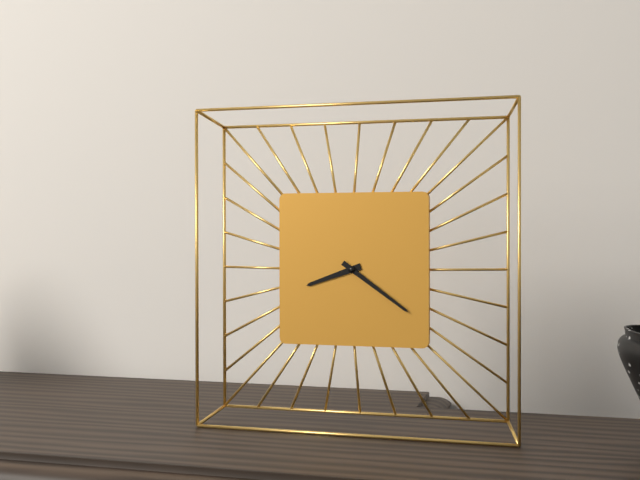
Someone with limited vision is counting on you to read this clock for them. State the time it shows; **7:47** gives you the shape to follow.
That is **8:21**
